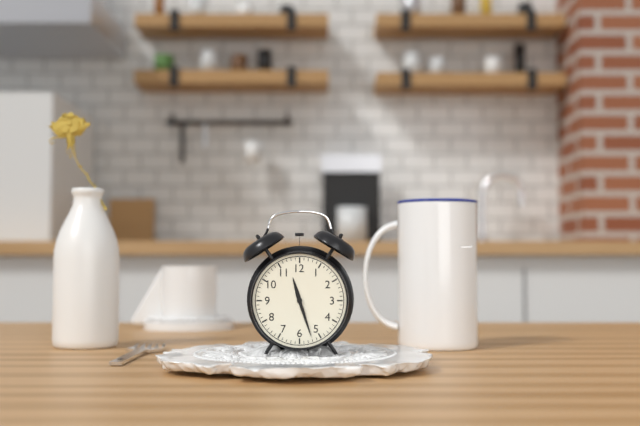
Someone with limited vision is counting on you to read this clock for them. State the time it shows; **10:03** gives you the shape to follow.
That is **11:27**
